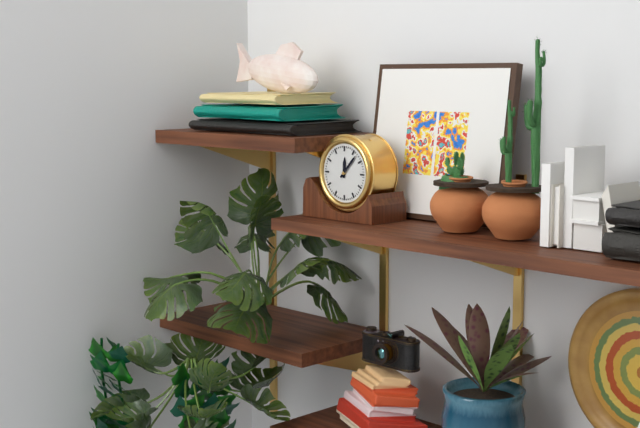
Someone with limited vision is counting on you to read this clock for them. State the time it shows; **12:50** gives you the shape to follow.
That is **12:07**
